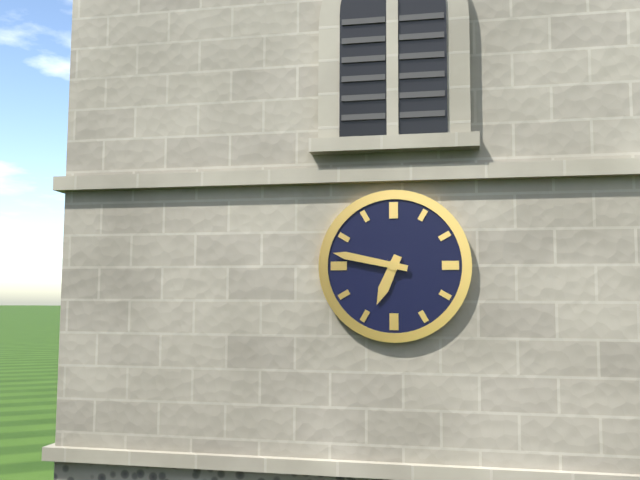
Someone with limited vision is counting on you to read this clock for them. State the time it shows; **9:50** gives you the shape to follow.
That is **6:47**
